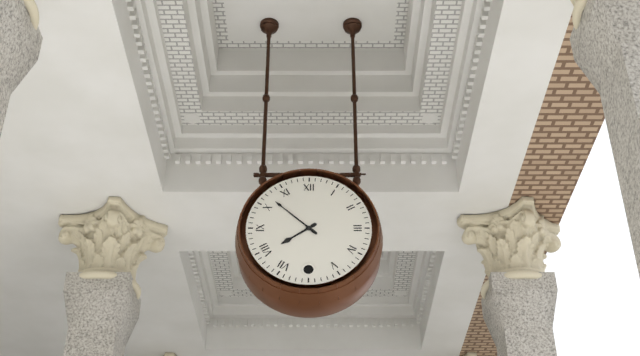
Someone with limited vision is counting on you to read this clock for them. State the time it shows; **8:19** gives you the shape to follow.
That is **7:52**
